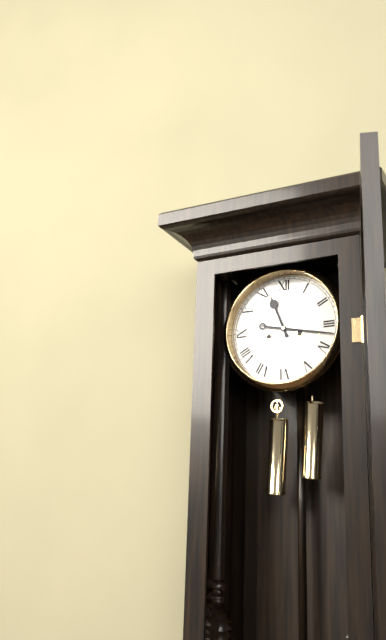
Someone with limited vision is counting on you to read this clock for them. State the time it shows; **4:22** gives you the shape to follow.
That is **11:17**
